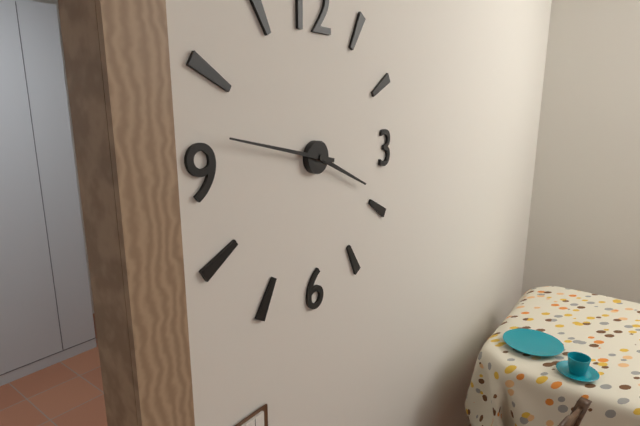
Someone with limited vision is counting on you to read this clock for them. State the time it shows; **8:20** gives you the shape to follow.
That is **3:47**
